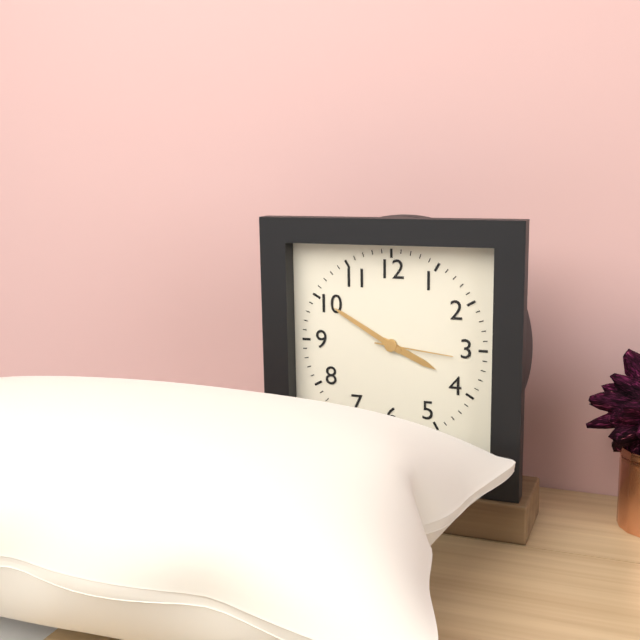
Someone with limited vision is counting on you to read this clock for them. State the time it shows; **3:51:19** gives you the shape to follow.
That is **3:50:16**
